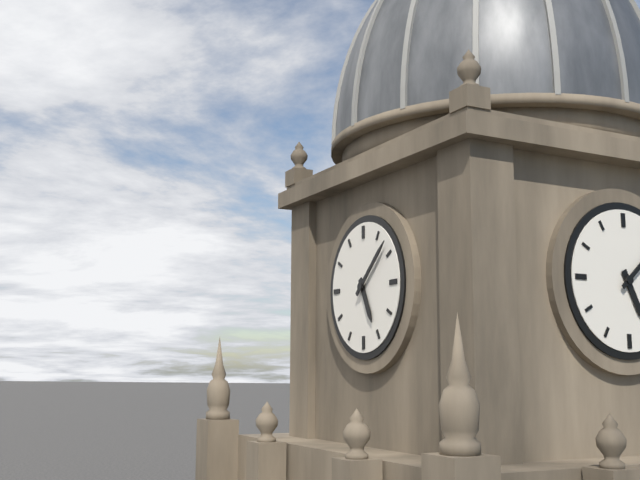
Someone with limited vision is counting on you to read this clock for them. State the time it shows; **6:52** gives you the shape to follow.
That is **5:08**
